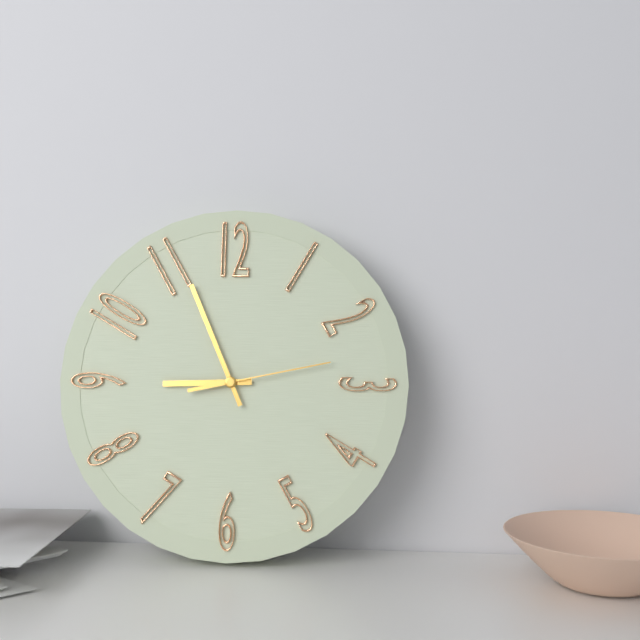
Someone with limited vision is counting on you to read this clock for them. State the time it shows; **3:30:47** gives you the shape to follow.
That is **8:56:13**
